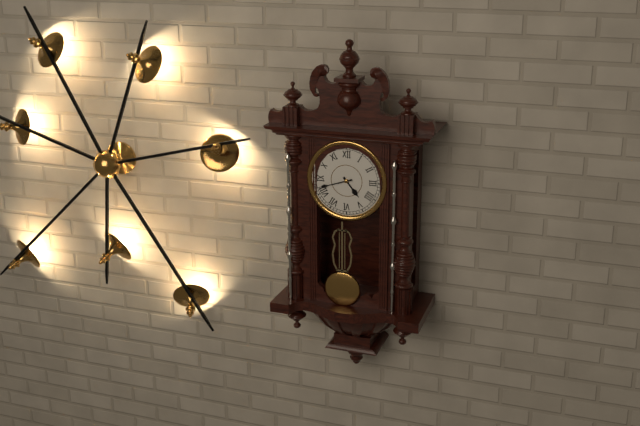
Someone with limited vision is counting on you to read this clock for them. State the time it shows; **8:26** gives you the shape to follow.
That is **4:42**
